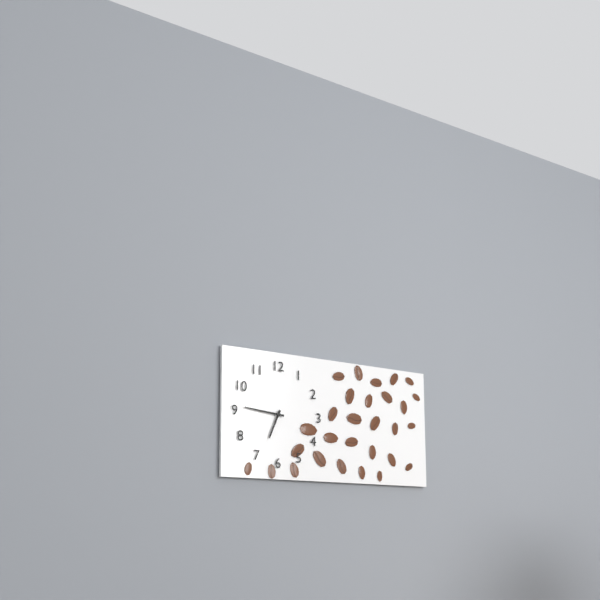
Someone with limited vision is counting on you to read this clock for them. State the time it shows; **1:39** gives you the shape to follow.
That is **6:46**
